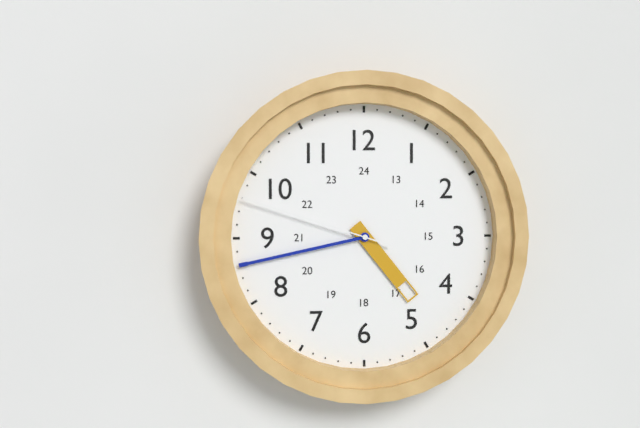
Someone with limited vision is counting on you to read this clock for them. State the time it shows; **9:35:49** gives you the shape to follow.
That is **4:43:48**
